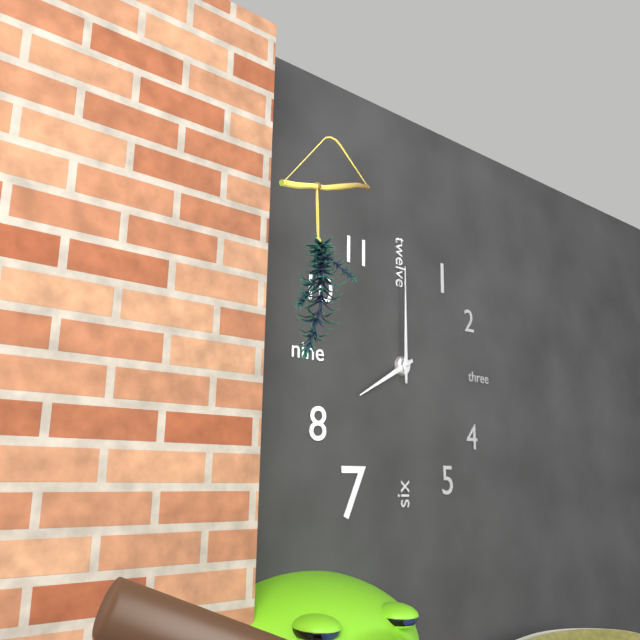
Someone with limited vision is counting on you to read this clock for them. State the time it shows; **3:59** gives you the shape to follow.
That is **8:00**
